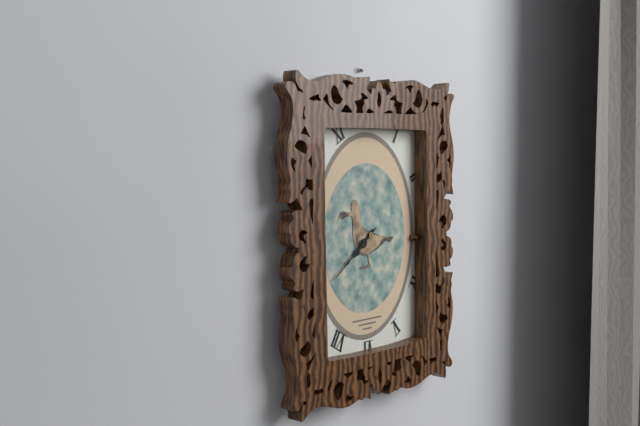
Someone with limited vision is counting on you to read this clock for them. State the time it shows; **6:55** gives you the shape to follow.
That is **7:39**
